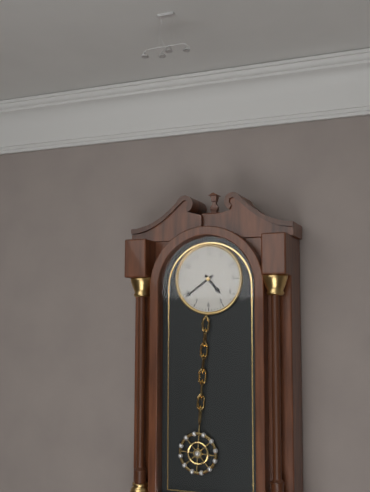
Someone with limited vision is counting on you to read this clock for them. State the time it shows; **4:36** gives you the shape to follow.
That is **4:39**
